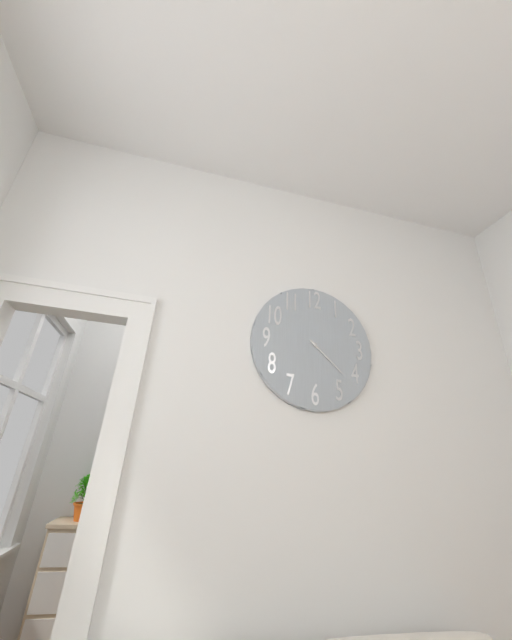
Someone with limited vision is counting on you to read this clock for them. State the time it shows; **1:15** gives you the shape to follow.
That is **4:22**
